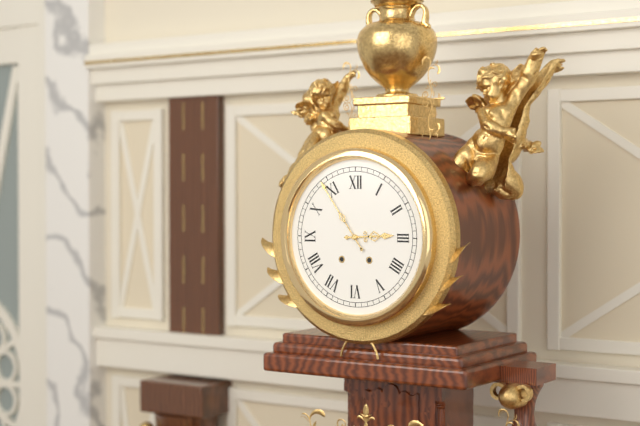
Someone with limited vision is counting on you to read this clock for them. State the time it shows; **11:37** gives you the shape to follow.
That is **2:54**
